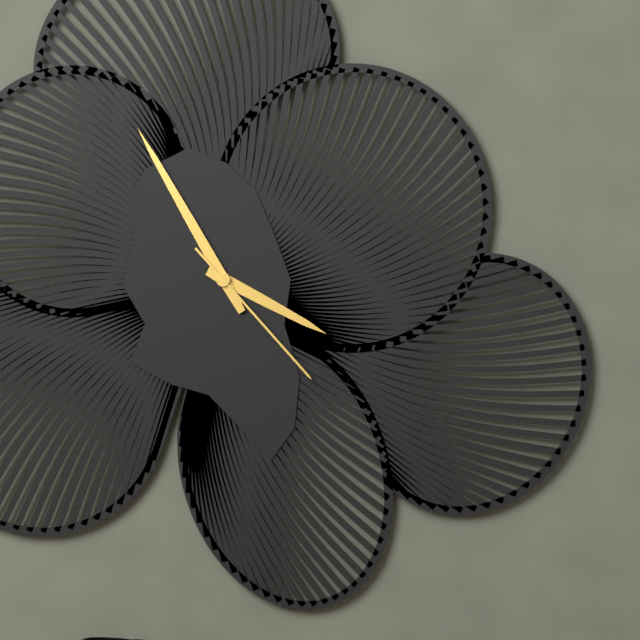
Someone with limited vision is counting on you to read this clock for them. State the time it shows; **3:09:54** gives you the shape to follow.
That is **3:55:23**
